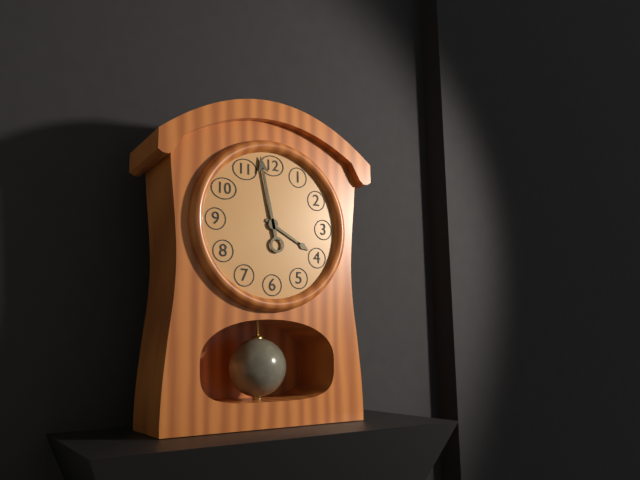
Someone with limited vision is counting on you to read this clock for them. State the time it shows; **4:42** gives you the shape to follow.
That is **3:58**
